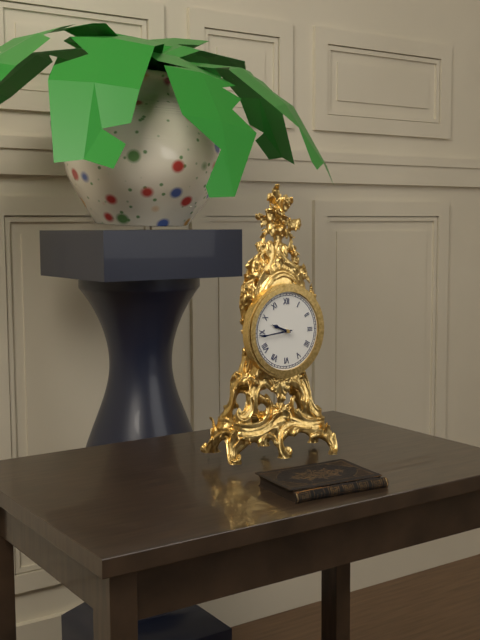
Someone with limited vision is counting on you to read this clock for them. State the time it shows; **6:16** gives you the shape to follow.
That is **9:44**
